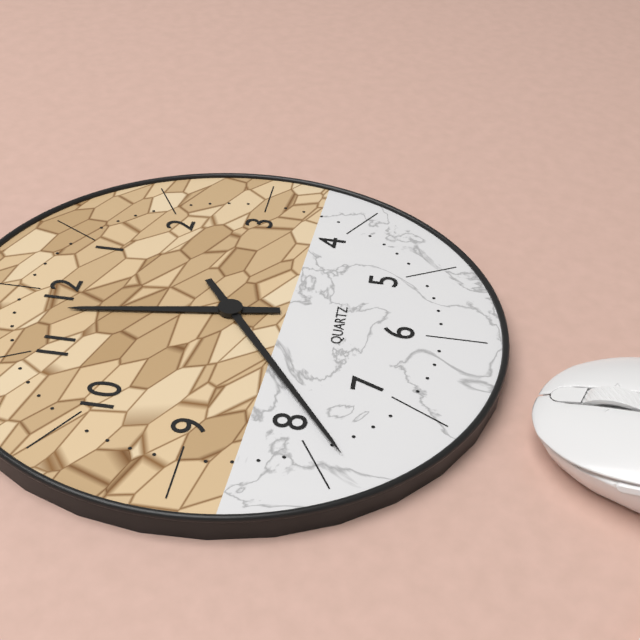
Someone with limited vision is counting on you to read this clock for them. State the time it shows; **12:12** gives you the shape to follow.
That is **11:39**
